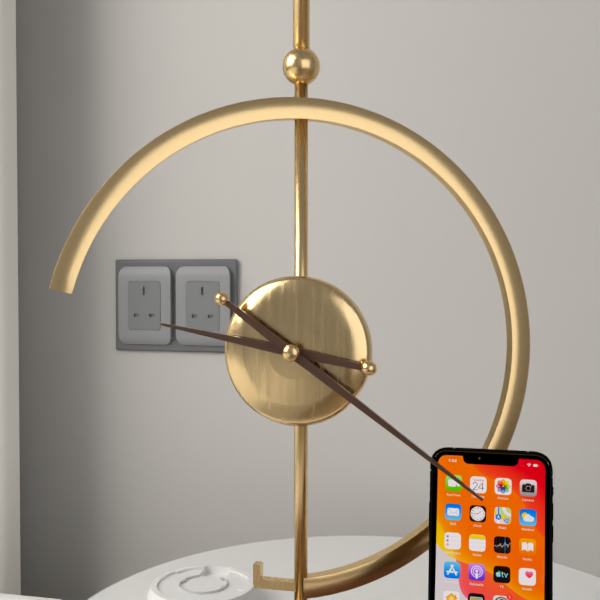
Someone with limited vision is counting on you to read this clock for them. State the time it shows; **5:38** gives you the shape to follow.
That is **9:21**
